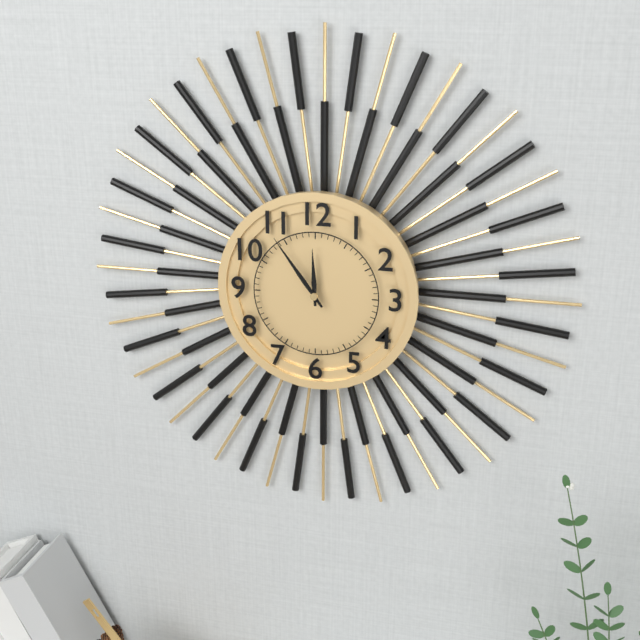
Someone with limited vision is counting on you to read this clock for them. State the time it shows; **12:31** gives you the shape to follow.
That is **11:54**
